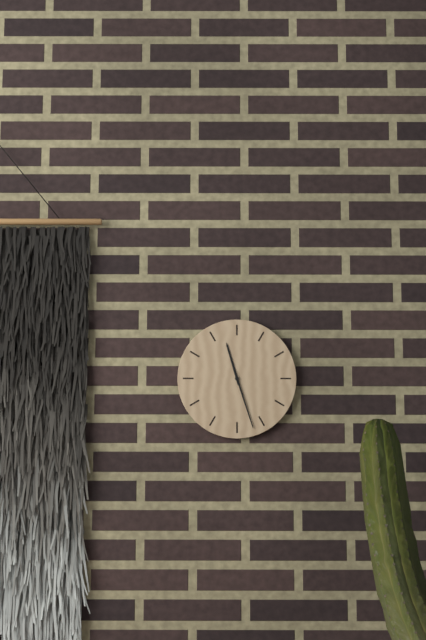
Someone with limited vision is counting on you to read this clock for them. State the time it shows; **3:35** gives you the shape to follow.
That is **11:27**
